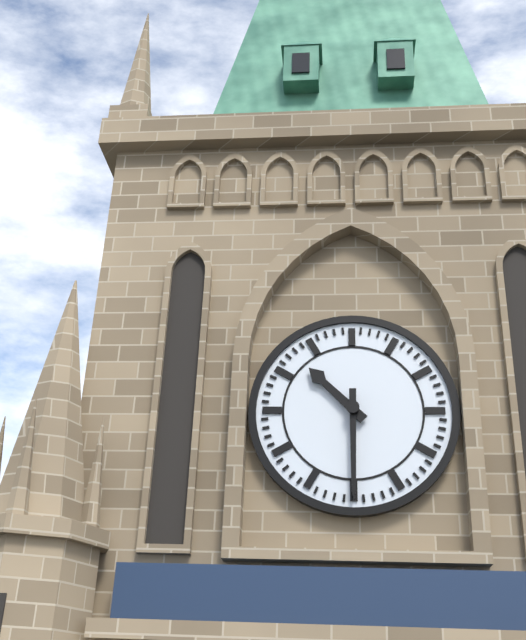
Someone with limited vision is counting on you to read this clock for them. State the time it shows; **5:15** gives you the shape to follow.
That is **10:30**
